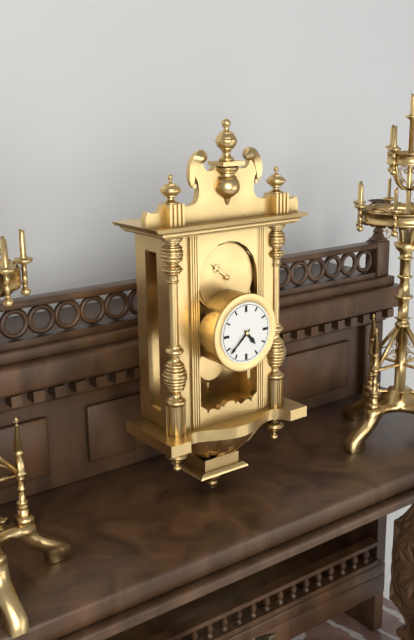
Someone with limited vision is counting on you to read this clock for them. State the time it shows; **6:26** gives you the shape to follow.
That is **4:38**
